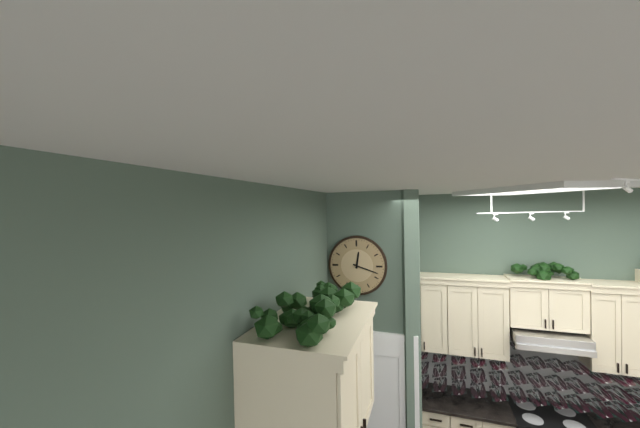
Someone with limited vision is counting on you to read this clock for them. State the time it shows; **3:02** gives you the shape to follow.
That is **12:18**
